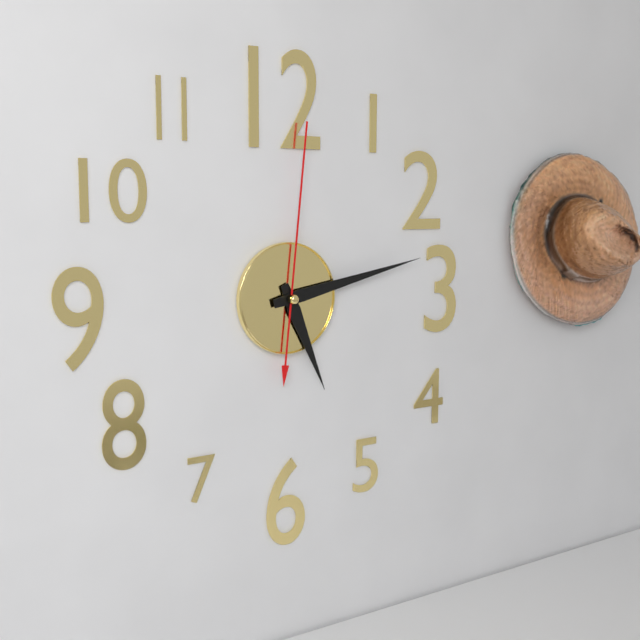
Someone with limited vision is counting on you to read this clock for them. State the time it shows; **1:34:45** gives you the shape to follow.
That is **5:13:01**
